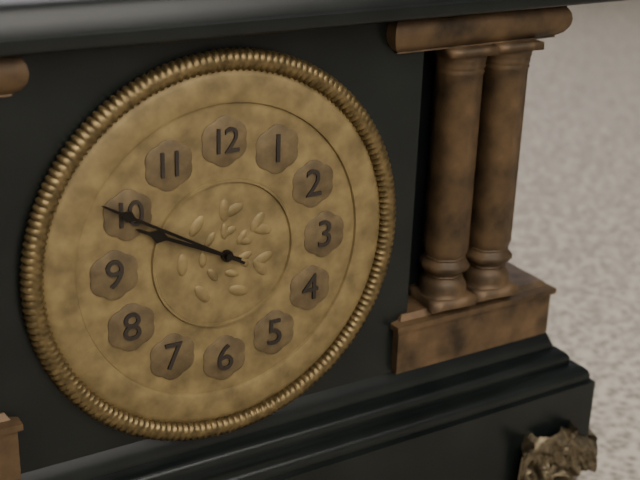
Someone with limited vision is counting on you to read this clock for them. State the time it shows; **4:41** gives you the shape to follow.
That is **9:50**
